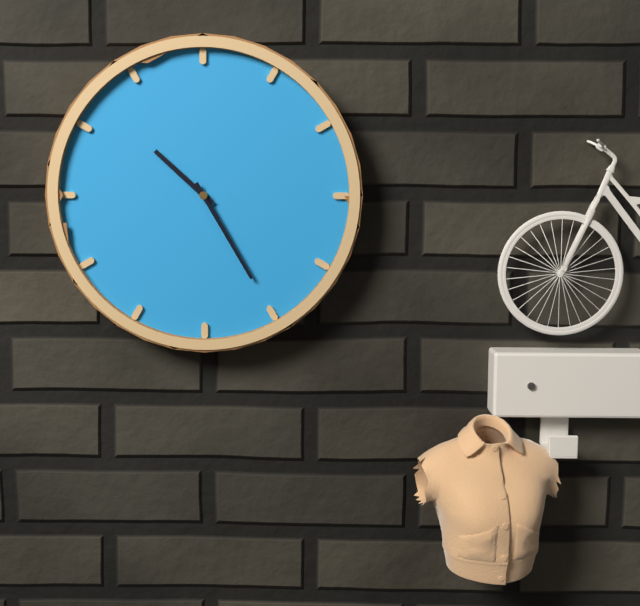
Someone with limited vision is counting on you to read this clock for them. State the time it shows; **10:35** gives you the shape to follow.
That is **10:25**
